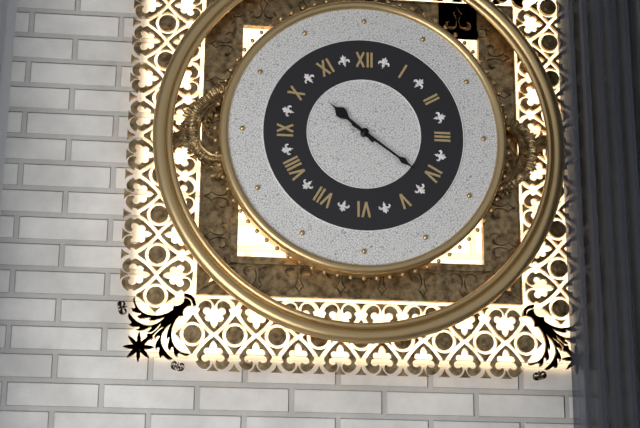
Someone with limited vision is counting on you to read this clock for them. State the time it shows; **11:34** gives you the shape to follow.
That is **10:21**
